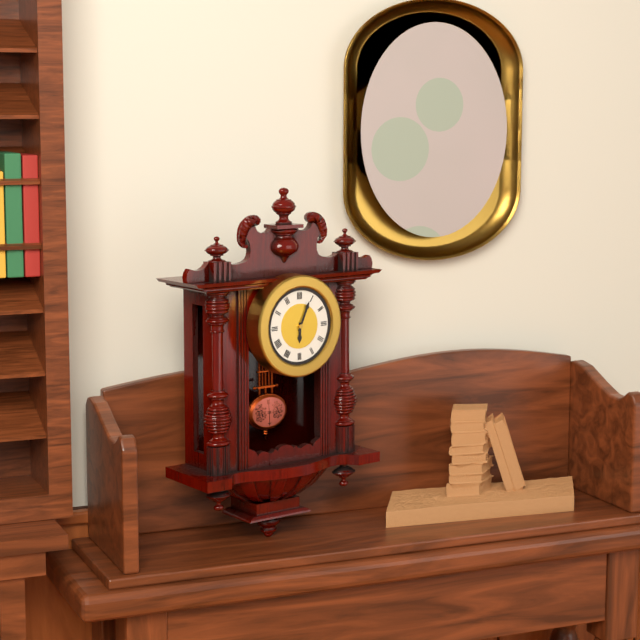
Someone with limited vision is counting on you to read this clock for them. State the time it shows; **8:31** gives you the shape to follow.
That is **6:04**
